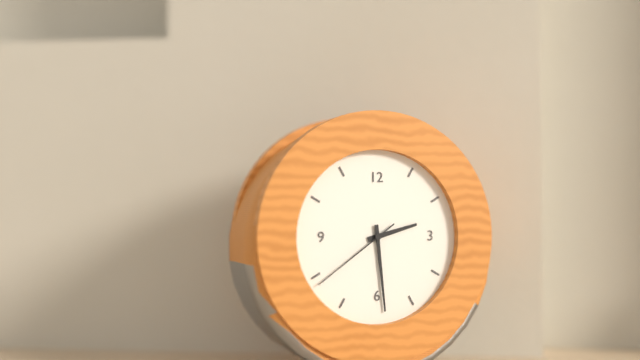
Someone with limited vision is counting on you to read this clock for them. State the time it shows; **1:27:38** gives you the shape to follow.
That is **2:29:39**
